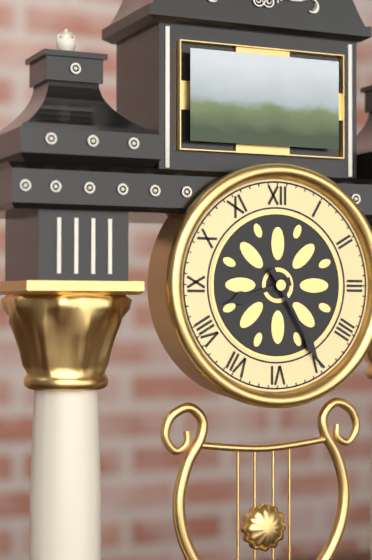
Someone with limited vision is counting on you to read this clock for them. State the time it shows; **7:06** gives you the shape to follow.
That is **8:25**
